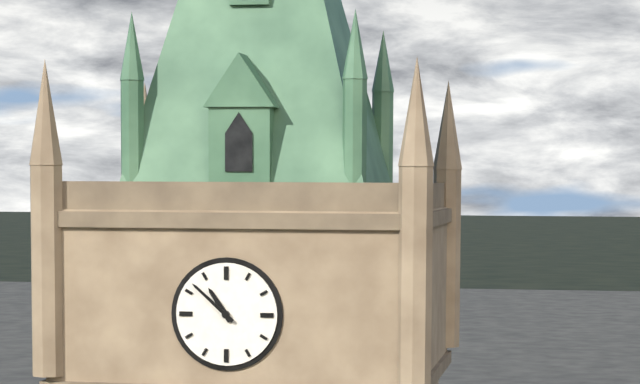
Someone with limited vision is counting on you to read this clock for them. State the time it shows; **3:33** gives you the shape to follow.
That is **10:52**
